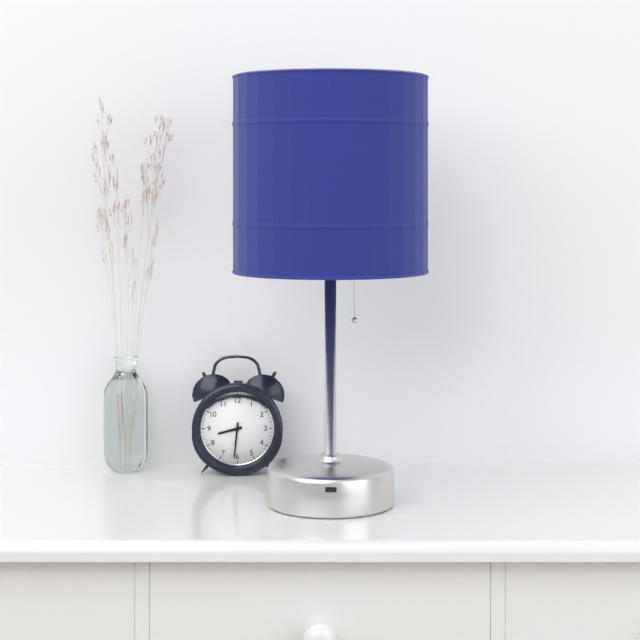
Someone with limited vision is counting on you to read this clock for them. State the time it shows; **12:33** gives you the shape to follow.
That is **8:31**
